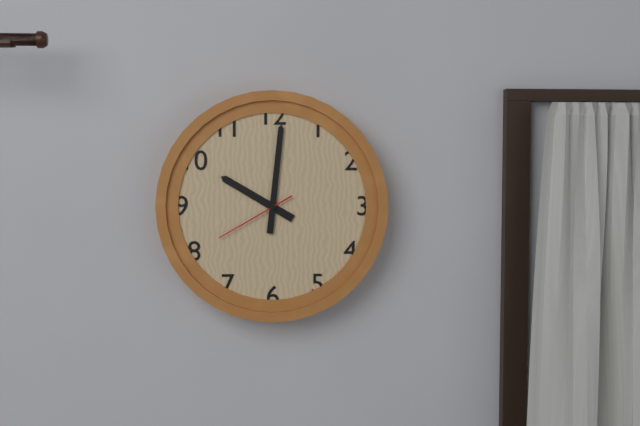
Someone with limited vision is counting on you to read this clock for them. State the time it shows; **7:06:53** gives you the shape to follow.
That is **10:01:40**
